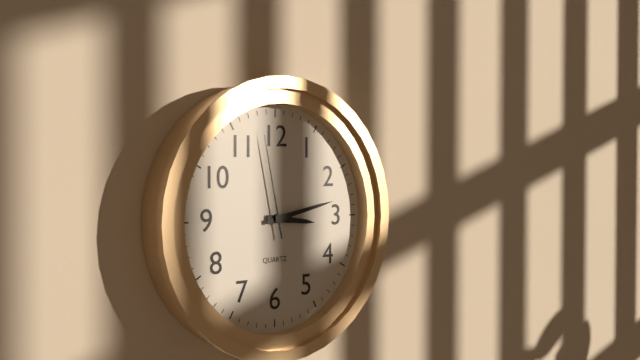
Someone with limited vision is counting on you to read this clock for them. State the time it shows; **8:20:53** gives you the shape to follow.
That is **3:13:58**
